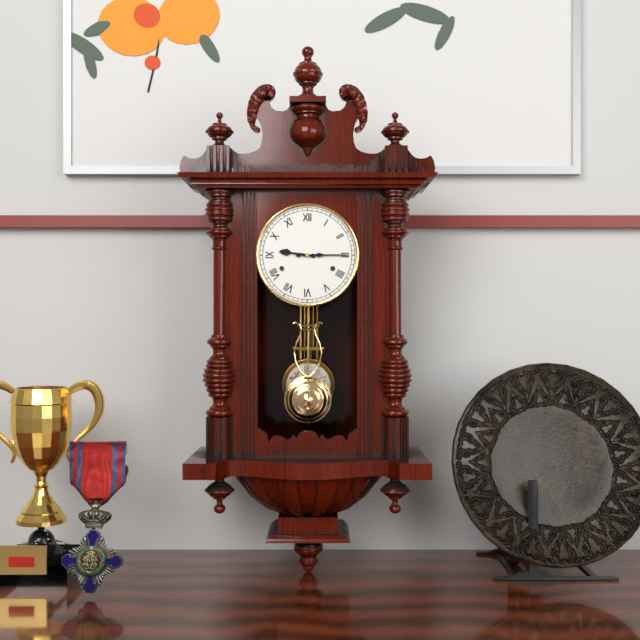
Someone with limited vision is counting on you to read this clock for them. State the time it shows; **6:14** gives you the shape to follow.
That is **9:15**
